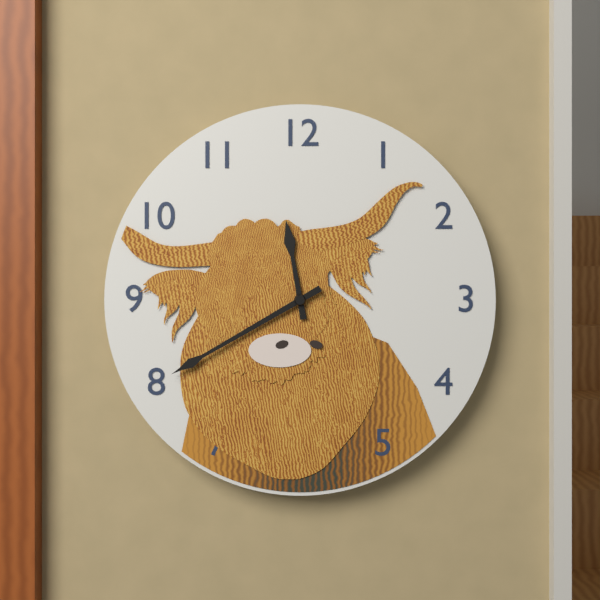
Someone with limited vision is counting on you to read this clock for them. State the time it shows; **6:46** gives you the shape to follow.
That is **11:40**
